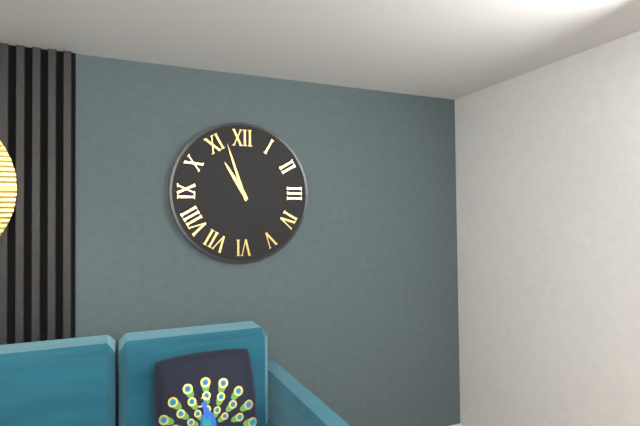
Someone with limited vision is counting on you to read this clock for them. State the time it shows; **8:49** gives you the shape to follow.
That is **10:57**
